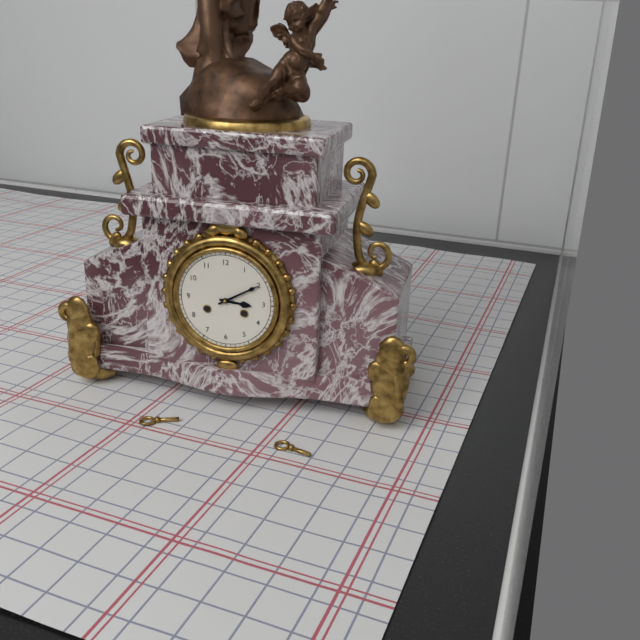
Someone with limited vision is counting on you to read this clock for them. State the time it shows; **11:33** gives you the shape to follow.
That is **3:10**
